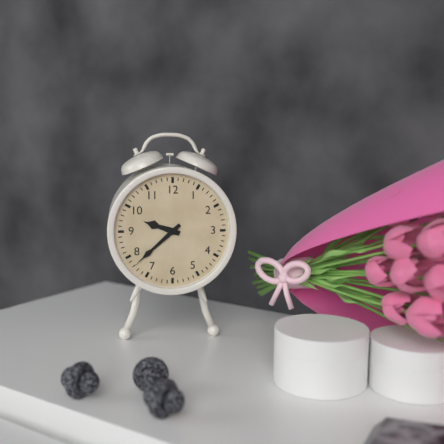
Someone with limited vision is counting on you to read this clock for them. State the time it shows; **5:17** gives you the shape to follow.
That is **9:38**
